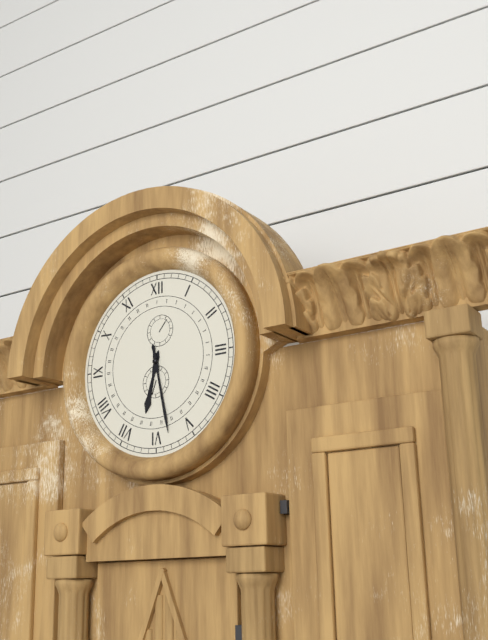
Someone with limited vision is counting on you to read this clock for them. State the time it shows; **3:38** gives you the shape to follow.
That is **6:28**
